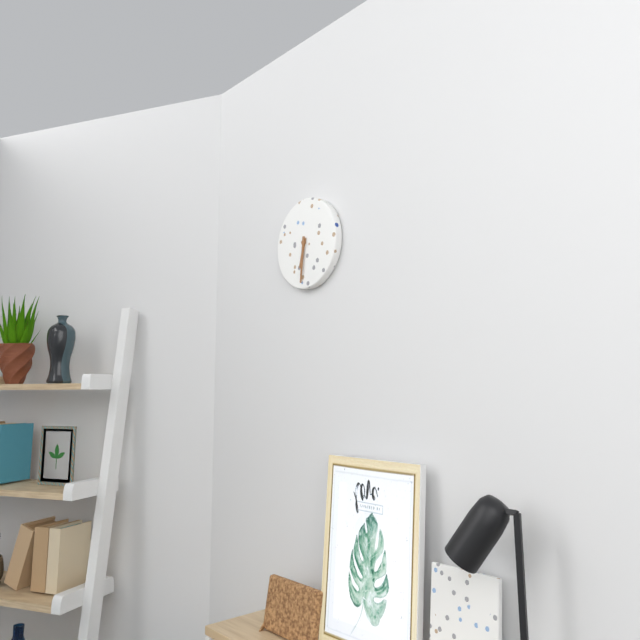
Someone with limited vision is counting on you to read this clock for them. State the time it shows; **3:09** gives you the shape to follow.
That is **6:31**
